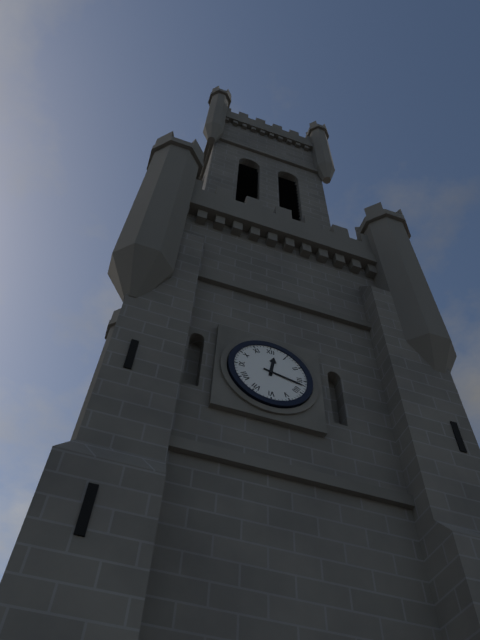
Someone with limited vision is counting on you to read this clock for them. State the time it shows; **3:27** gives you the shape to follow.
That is **12:17**
